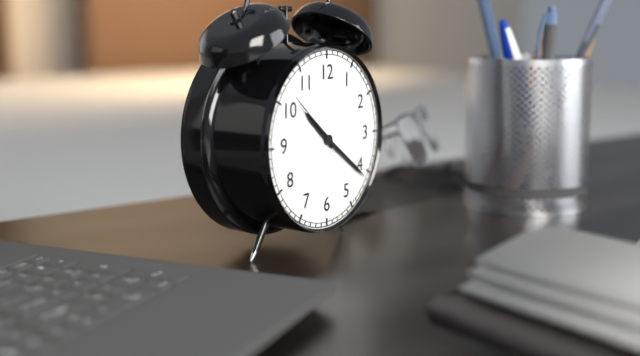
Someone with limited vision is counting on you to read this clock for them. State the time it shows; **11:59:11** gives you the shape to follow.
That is **10:21:52**
